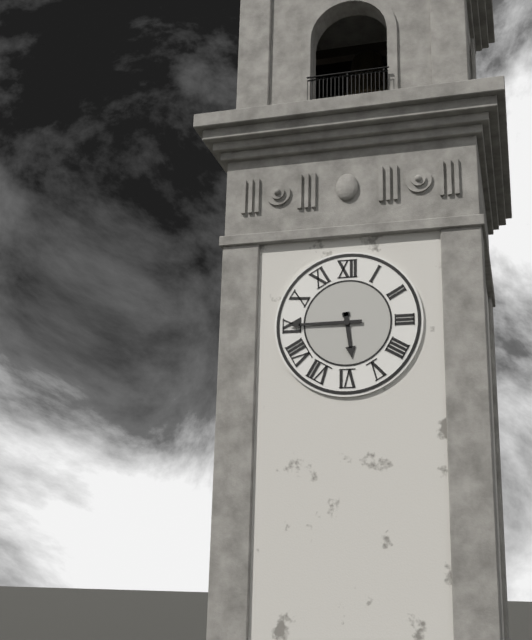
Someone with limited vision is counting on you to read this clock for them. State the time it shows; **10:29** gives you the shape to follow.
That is **5:45**
